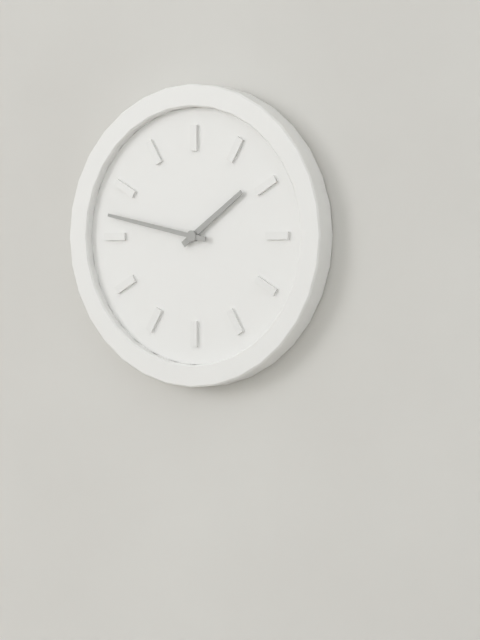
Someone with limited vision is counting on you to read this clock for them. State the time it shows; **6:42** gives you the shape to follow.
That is **1:47**
